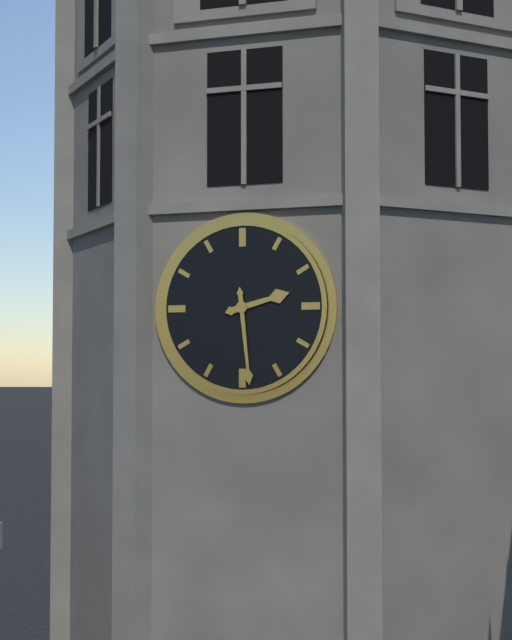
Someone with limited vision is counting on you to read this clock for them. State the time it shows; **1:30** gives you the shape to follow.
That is **2:29**
